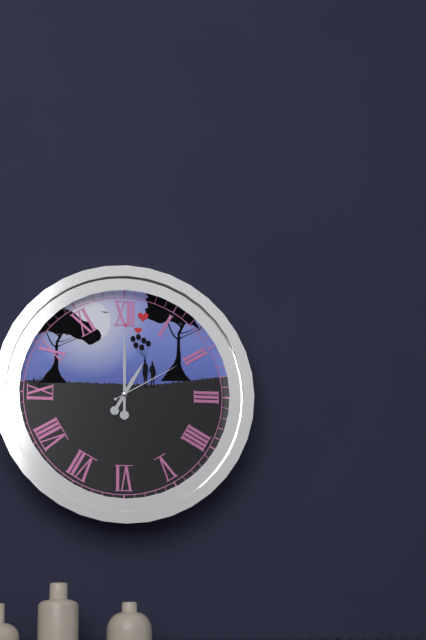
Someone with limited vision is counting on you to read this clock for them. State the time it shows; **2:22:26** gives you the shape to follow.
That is **1:00:10**
